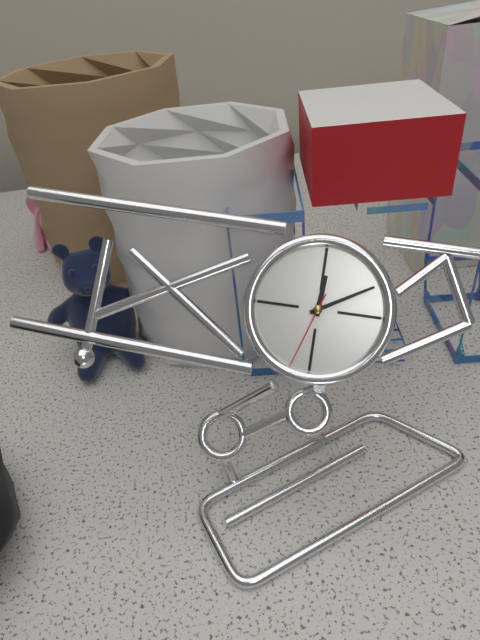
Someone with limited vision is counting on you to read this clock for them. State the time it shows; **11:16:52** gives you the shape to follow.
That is **12:10:33**
